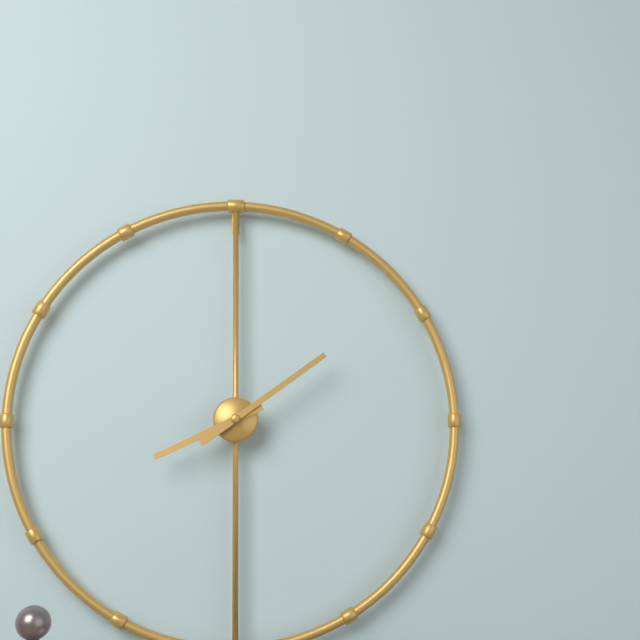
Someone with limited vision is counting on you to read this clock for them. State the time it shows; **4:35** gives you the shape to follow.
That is **8:09**
